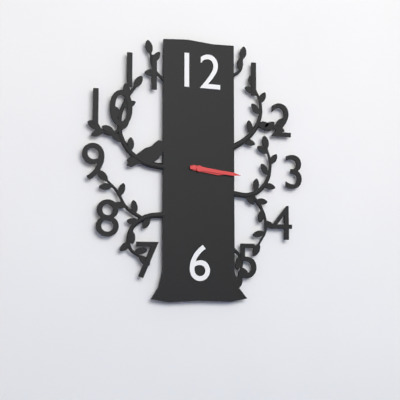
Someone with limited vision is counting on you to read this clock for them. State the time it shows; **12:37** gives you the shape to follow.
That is **3:16**
